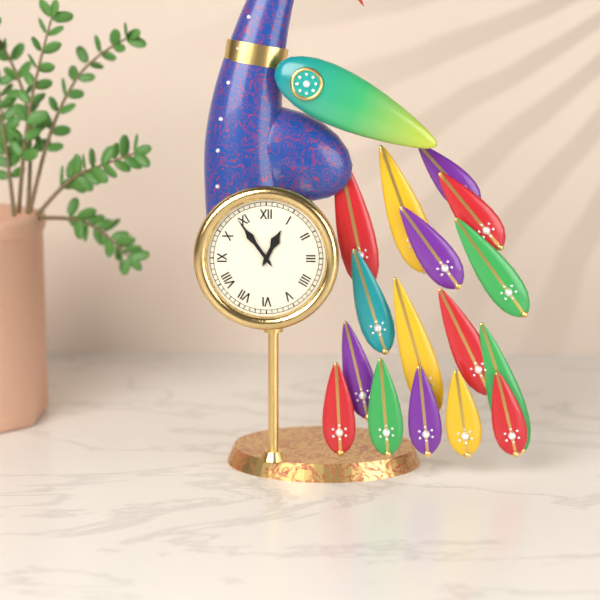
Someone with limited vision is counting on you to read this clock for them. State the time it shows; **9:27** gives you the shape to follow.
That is **12:54**
